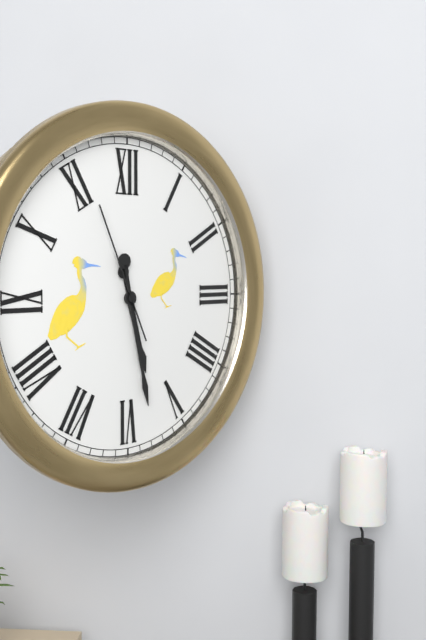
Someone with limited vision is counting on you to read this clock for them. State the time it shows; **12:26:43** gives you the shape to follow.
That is **5:28:56**
